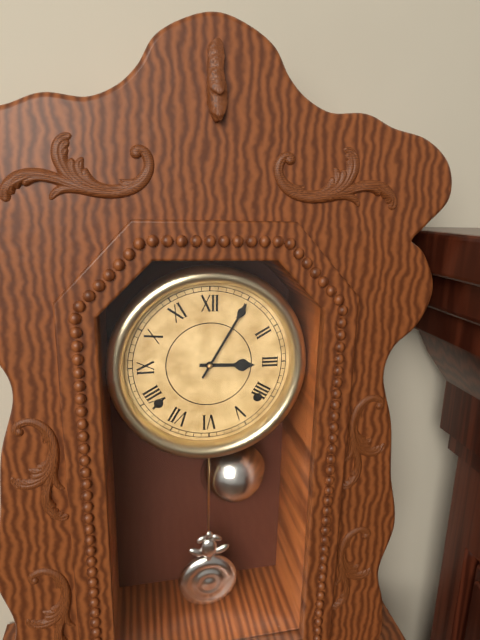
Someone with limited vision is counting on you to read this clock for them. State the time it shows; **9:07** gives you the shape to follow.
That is **3:05**
